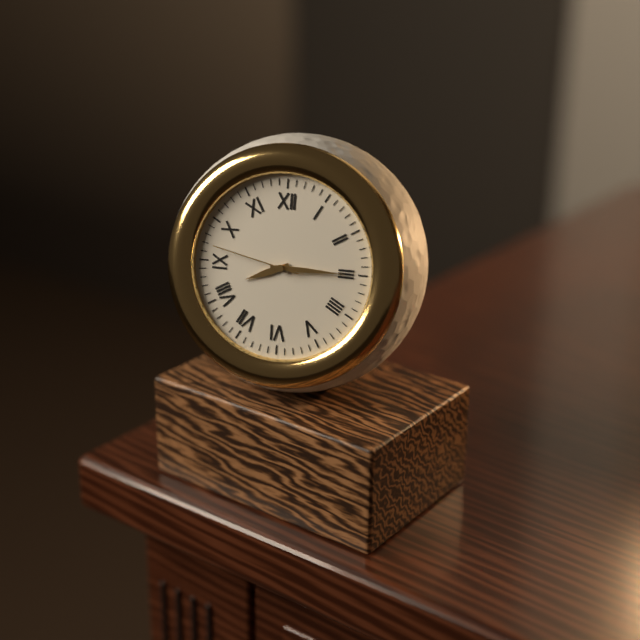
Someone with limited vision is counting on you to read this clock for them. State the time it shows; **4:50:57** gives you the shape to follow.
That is **8:15:47**
